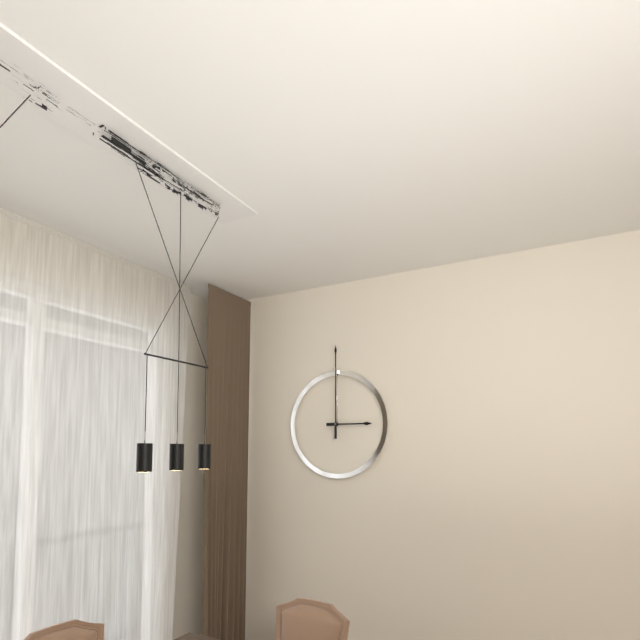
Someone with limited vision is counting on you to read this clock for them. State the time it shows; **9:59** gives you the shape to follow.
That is **3:00**
